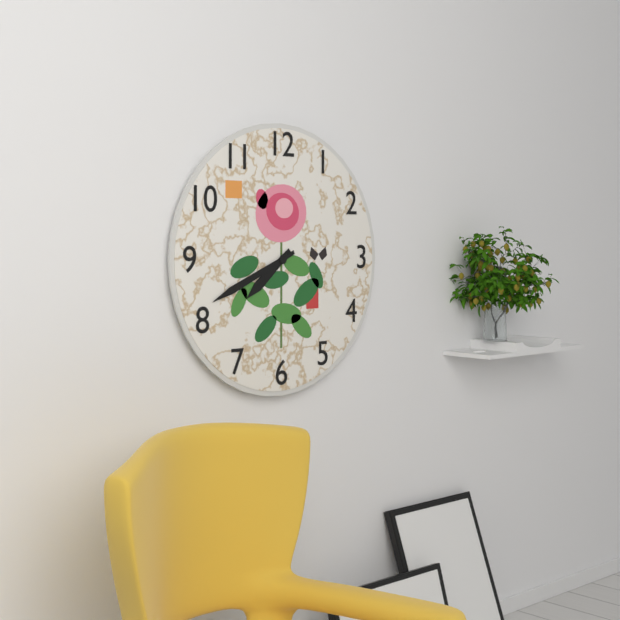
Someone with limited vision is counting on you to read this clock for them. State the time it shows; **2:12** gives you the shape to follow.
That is **7:41**
